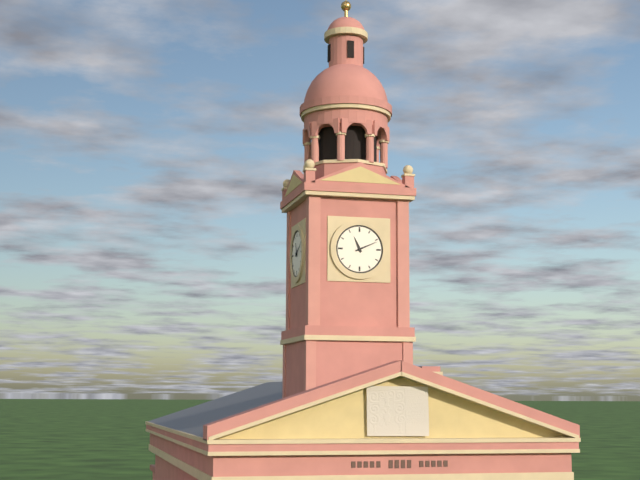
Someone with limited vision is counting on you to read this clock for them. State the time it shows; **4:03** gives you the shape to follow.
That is **11:11**
